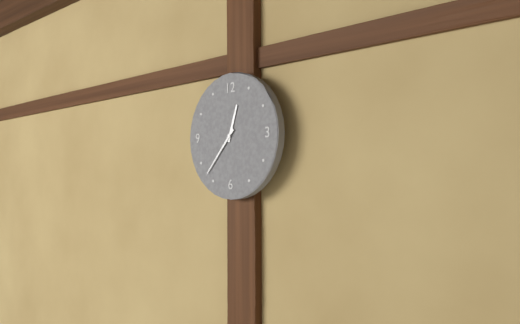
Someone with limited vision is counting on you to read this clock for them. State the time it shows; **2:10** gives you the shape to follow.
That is **12:37**
